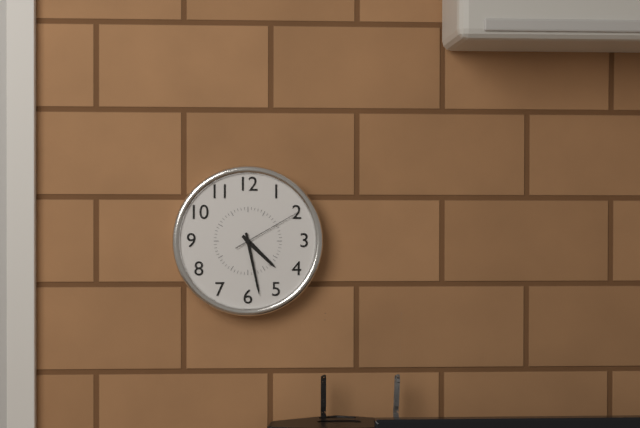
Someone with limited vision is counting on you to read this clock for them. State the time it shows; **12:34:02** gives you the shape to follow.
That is **4:28:10**
